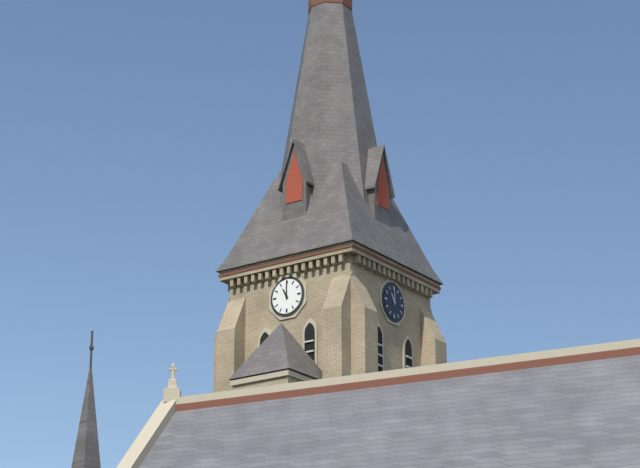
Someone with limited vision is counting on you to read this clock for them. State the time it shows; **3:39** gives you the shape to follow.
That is **11:00**
